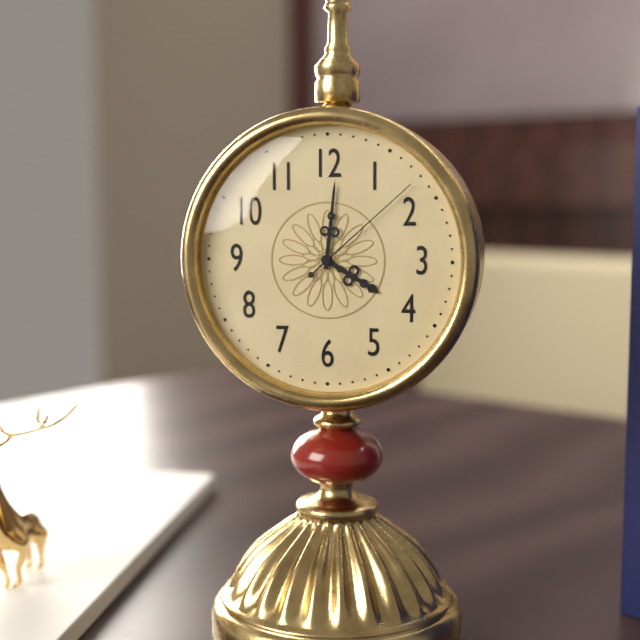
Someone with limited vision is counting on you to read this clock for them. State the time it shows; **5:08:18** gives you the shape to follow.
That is **4:01:08**
